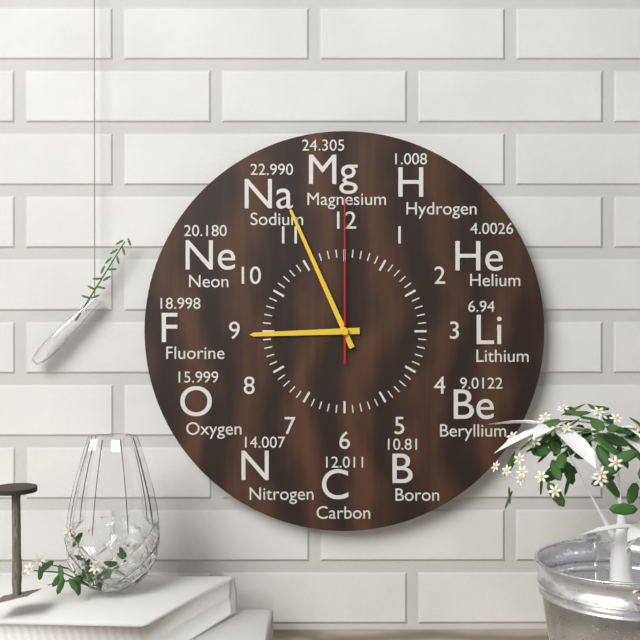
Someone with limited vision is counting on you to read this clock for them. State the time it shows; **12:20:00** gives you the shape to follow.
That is **8:56:00**
